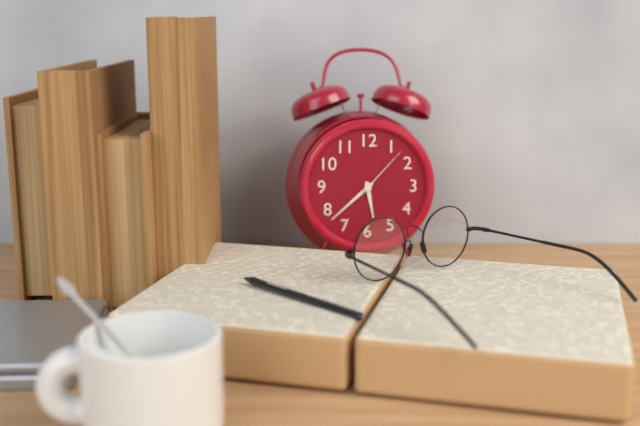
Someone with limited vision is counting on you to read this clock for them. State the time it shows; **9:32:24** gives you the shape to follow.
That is **5:38:07**
